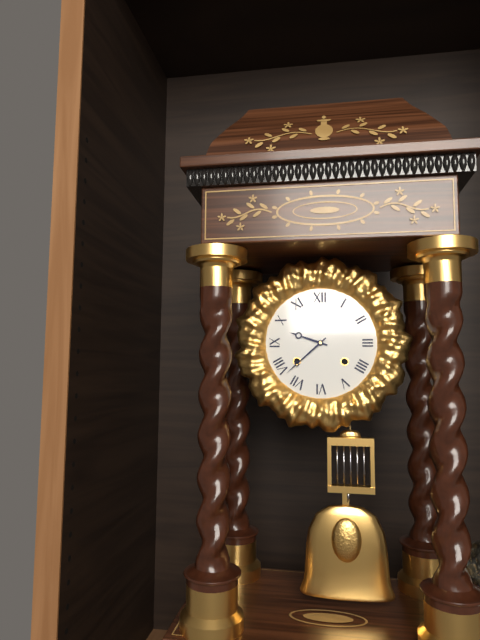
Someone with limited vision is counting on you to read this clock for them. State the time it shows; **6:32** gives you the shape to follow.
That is **9:38**
